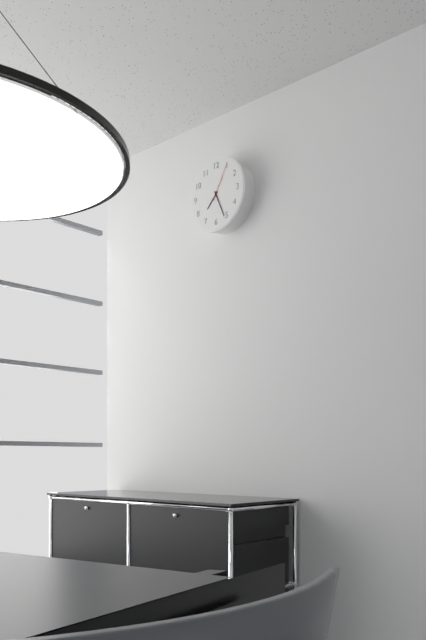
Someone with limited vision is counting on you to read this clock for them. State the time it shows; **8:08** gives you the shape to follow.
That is **7:26**
